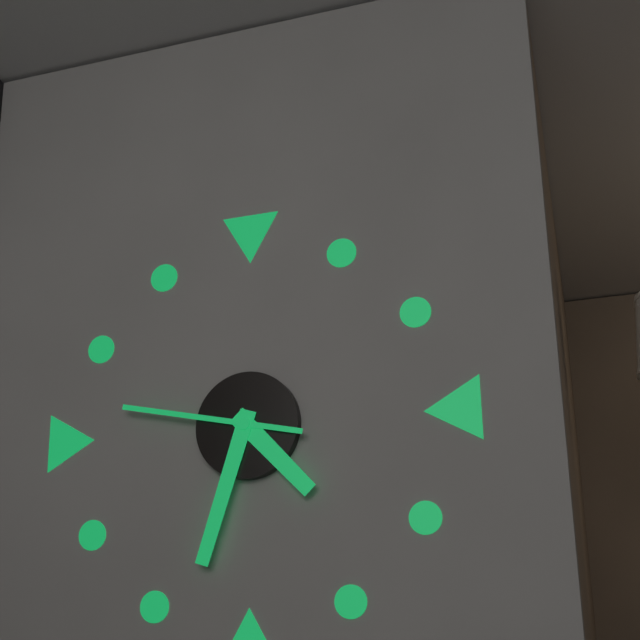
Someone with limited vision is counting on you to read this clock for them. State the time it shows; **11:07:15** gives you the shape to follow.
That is **4:33:47**
